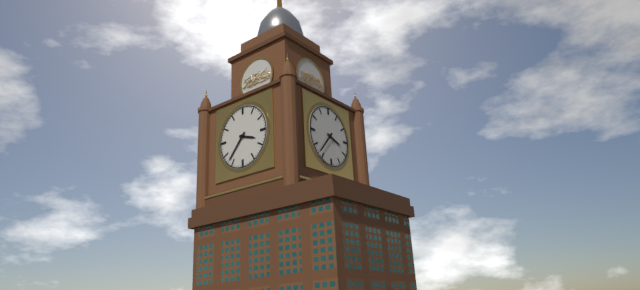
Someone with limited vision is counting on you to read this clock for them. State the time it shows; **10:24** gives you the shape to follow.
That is **3:37**
